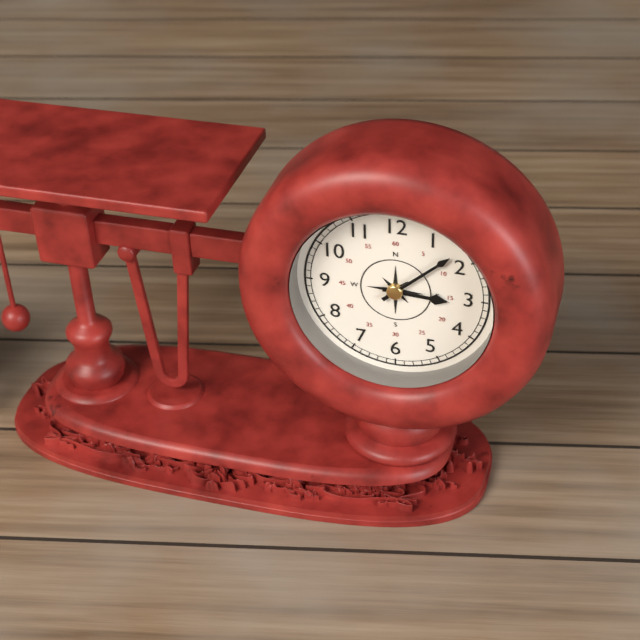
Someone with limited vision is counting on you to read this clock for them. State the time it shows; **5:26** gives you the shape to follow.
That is **3:08**
